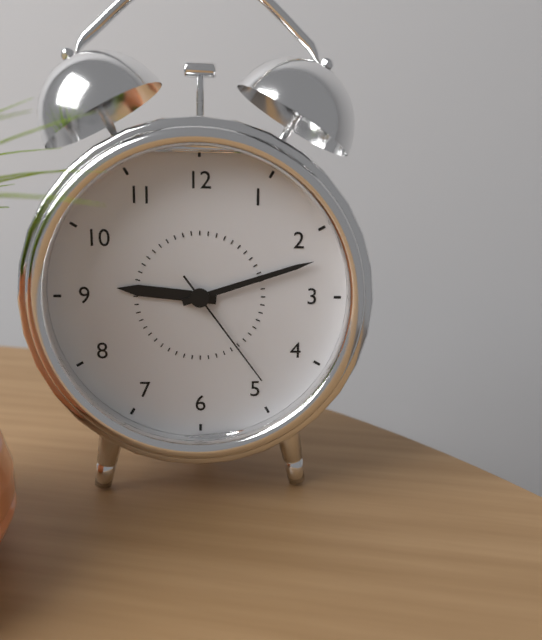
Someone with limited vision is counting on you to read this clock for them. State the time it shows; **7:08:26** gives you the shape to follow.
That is **9:12:24**
